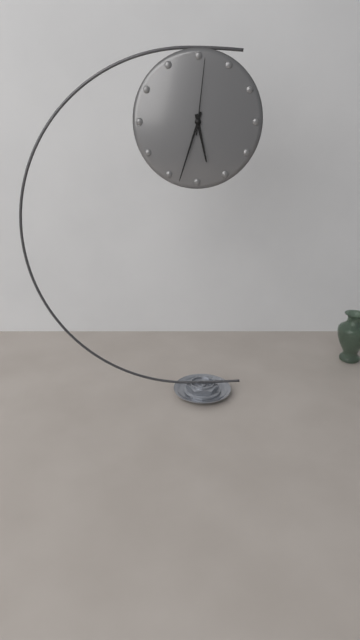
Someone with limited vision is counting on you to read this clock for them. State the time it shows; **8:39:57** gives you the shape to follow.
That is **5:33:01**
